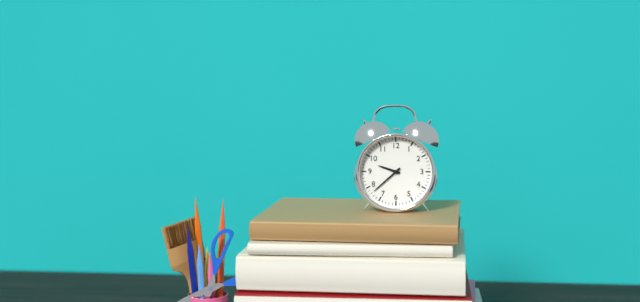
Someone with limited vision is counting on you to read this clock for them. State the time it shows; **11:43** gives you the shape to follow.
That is **9:38**
